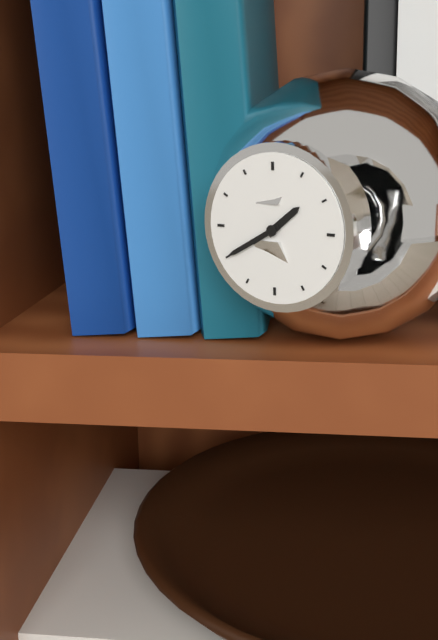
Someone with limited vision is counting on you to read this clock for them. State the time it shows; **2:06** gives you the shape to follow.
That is **1:40**
